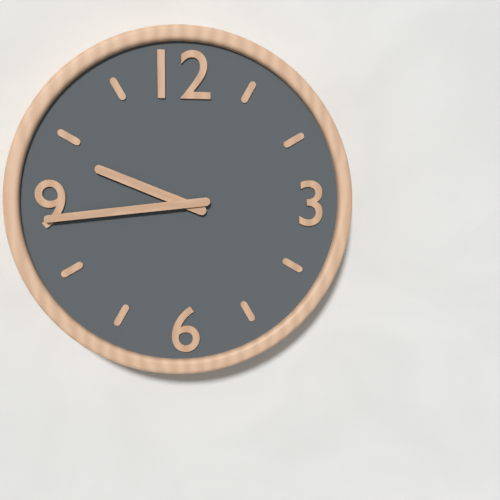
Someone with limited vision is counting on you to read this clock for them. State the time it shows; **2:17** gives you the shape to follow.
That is **9:44**
